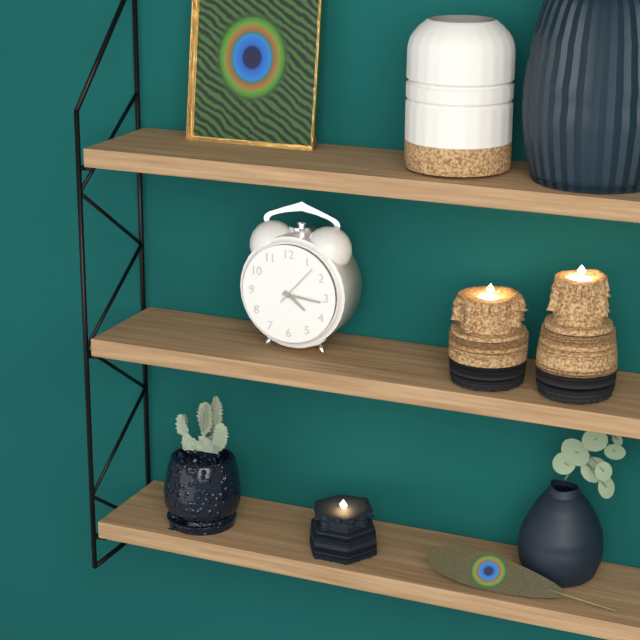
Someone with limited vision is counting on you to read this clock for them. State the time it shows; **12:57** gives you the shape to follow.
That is **4:16**
